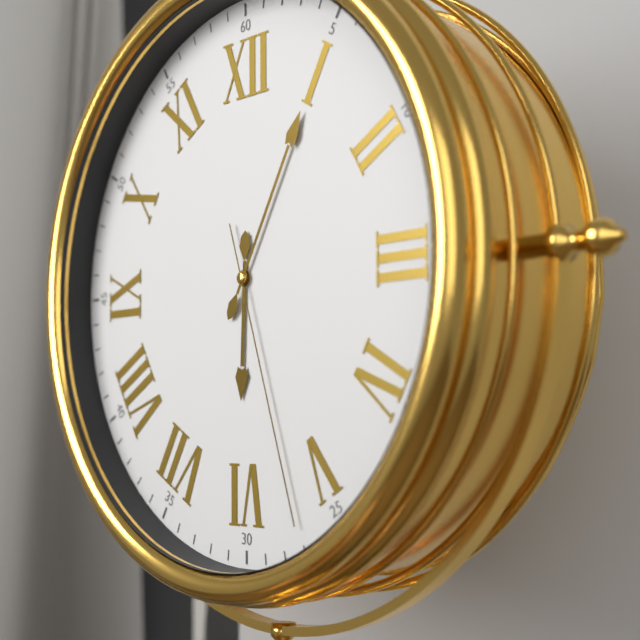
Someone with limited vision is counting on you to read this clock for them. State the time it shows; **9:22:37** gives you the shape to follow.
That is **6:05:27**
